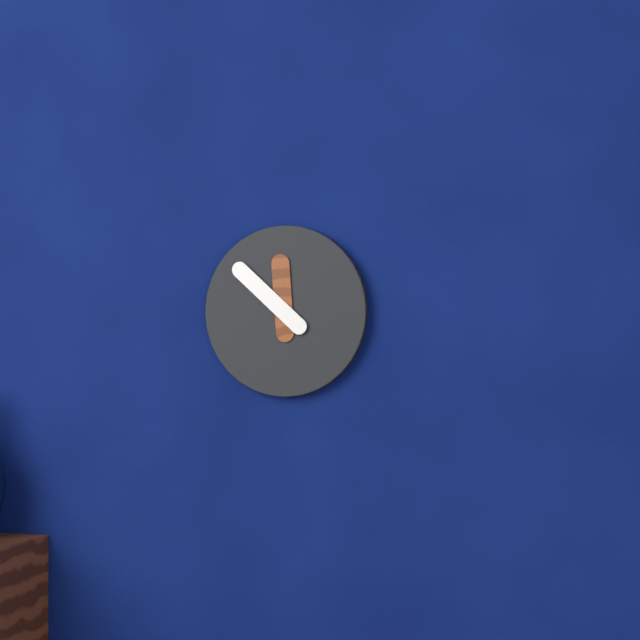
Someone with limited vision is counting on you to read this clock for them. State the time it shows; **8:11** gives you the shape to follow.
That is **11:52**
